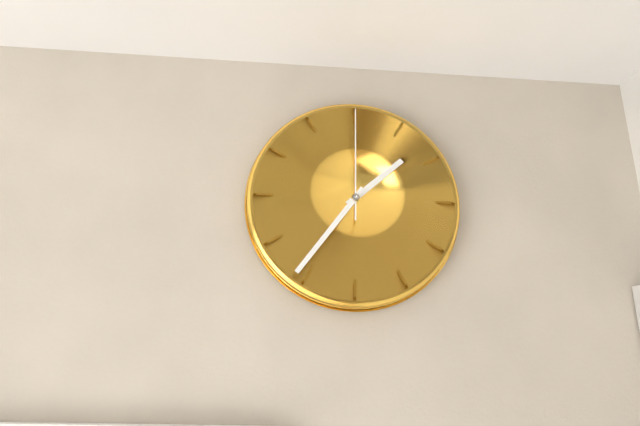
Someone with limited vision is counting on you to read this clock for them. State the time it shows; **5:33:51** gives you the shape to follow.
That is **1:36:00**
